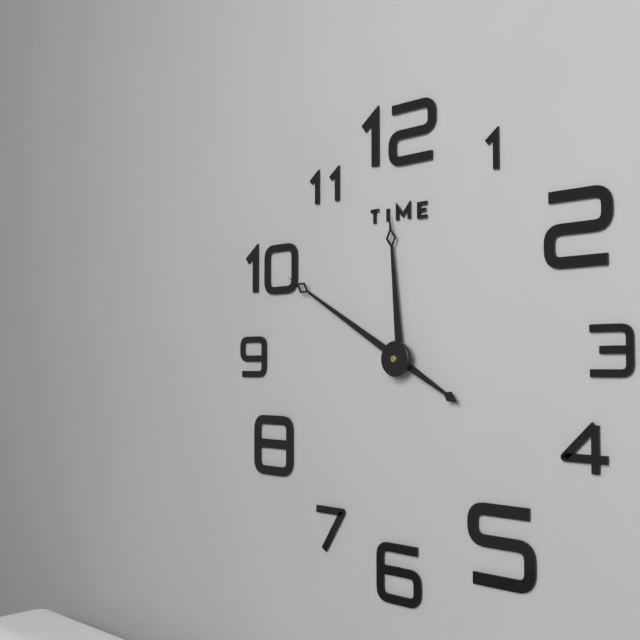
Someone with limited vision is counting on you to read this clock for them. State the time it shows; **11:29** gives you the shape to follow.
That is **11:50**
